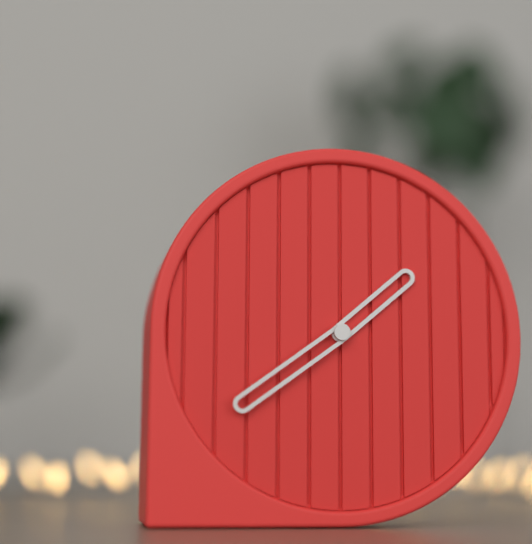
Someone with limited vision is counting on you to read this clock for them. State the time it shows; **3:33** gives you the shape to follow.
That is **1:39**
